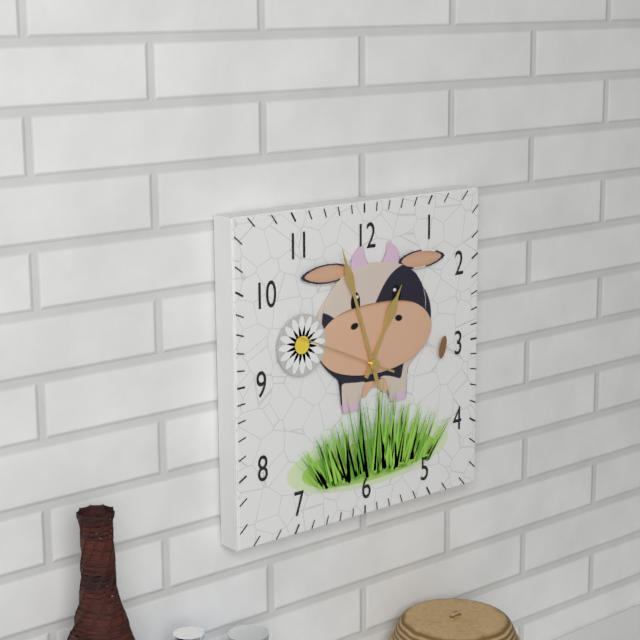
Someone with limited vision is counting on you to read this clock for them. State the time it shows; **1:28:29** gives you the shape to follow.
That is **12:57:49**
